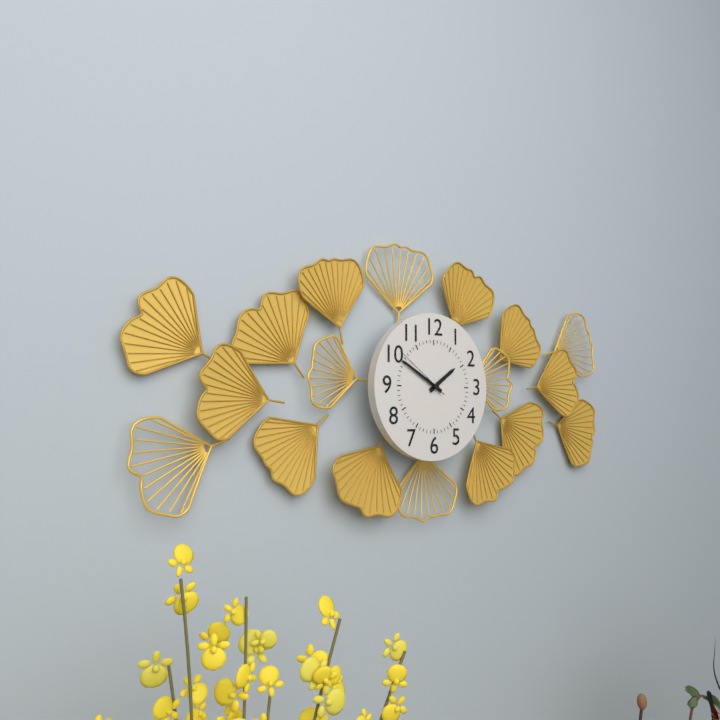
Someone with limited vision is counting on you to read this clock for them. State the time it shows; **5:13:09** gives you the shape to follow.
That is **1:50:51**
